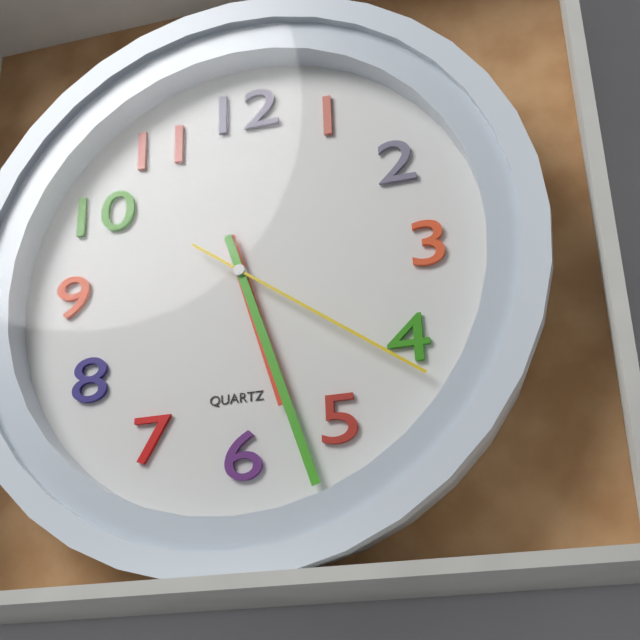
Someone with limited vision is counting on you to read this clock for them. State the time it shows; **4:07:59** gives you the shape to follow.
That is **5:27:21**
